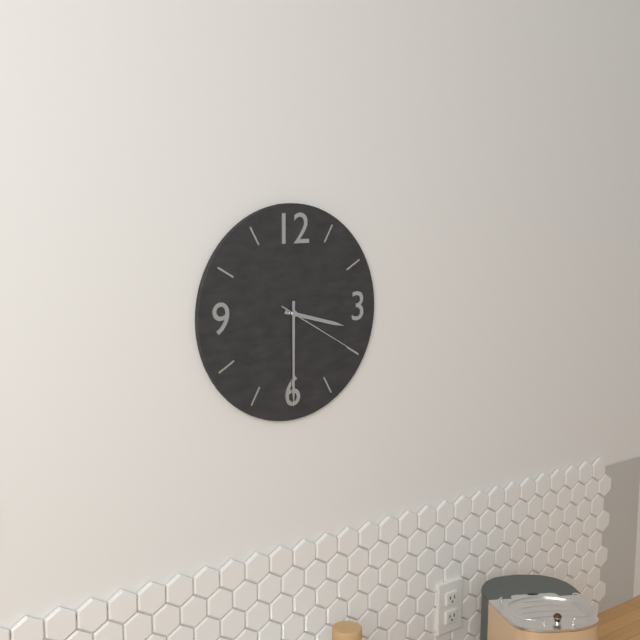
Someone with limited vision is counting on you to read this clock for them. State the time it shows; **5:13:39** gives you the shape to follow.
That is **3:30:20**
